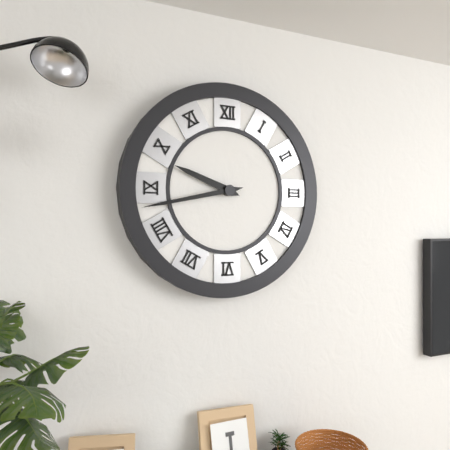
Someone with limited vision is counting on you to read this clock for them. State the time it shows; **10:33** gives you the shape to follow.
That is **9:43**
